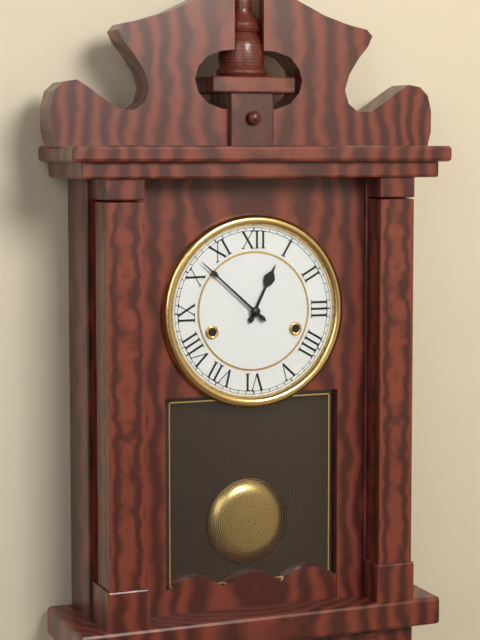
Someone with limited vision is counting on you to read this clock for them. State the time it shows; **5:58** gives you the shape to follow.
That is **12:52**
